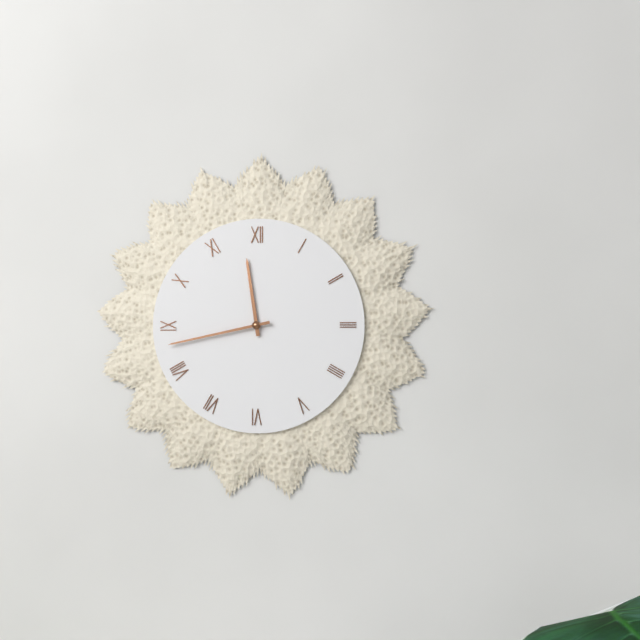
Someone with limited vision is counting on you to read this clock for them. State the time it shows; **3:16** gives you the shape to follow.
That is **11:43**
